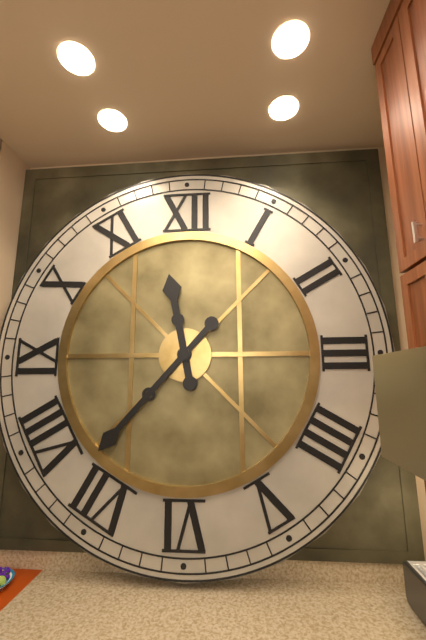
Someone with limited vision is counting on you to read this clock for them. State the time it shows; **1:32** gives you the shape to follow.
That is **11:37**
